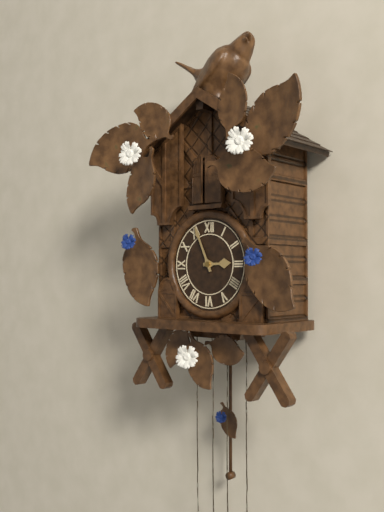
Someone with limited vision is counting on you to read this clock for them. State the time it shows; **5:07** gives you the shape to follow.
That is **2:56**
